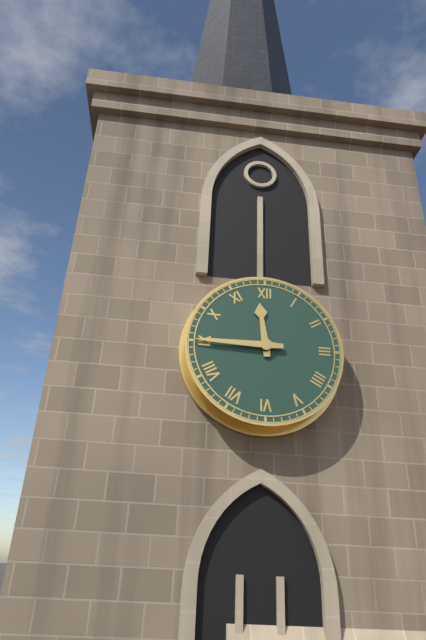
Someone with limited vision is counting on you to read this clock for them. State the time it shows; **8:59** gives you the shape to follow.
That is **11:45**
